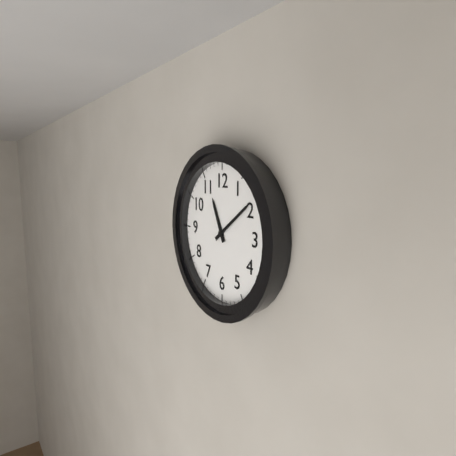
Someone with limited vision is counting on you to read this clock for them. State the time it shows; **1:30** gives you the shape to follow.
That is **11:09**
